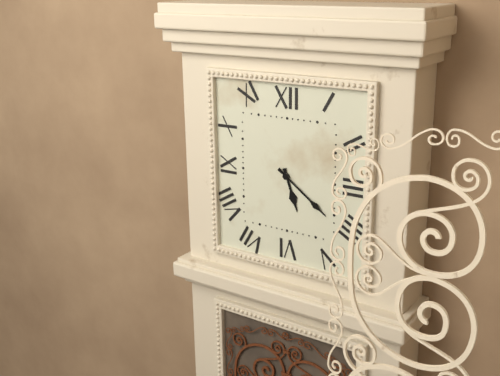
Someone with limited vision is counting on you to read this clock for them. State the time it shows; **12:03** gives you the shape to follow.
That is **5:21**
